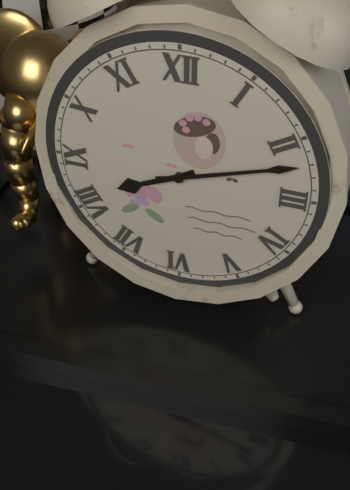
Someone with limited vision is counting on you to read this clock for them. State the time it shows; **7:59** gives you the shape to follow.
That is **8:12**
